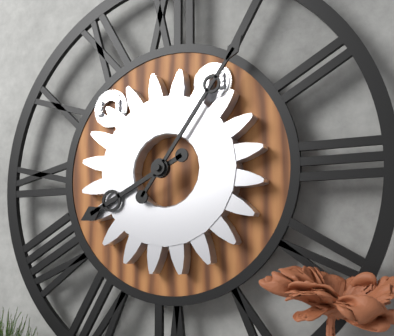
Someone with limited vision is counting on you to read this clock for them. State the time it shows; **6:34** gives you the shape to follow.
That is **8:06**
